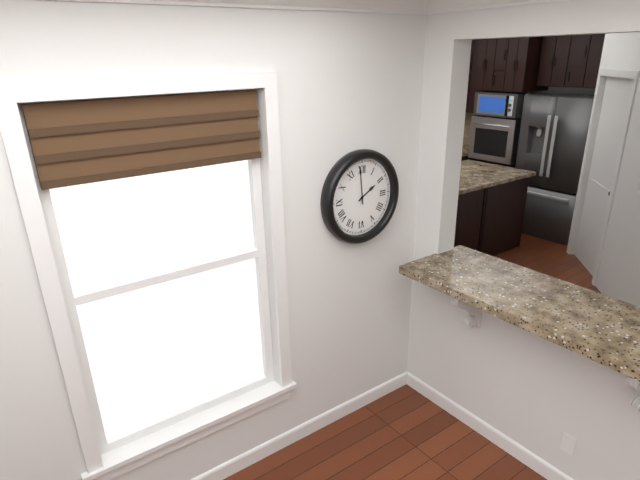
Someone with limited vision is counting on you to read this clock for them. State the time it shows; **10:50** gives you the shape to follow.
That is **1:59**
